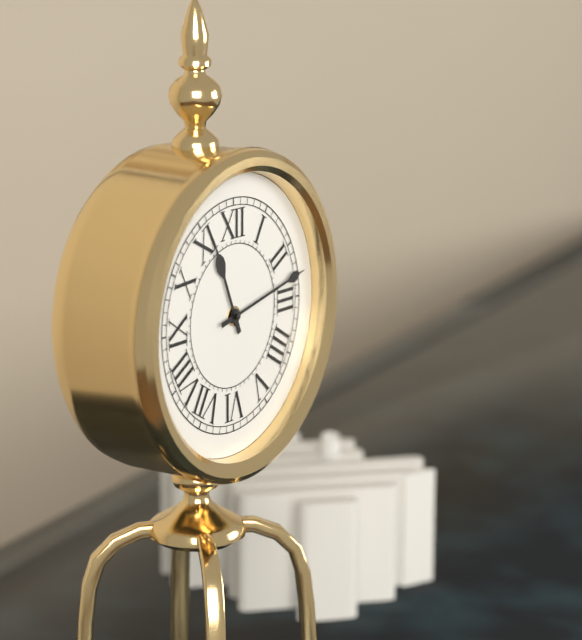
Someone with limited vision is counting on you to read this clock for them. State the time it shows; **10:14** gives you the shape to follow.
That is **11:13**
